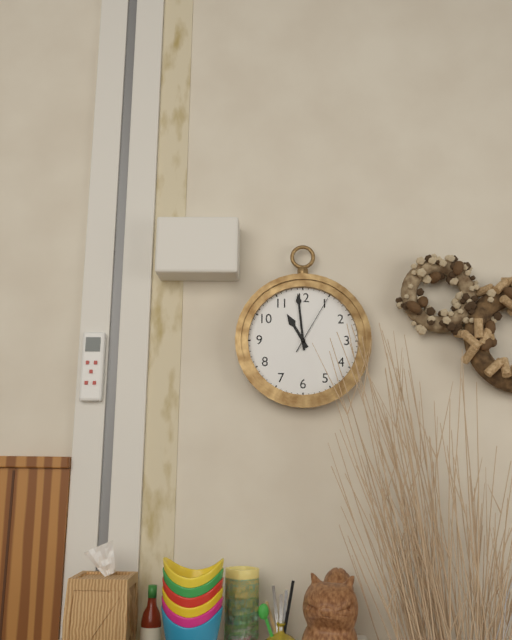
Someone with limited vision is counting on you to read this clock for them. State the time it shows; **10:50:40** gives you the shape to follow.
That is **10:59:05**
